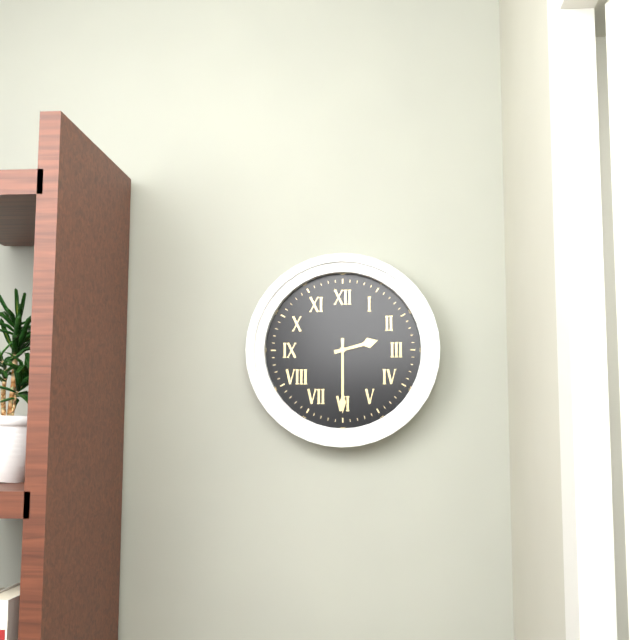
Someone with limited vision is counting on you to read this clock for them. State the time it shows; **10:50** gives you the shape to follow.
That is **2:30**
